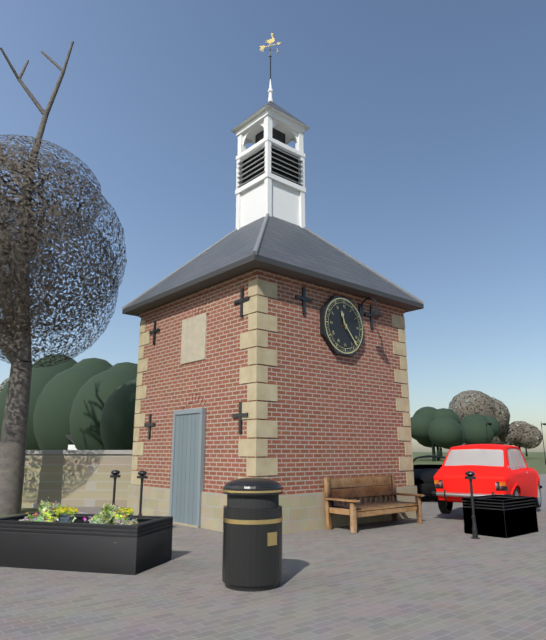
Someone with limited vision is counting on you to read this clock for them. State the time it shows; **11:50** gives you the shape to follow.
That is **11:23**
